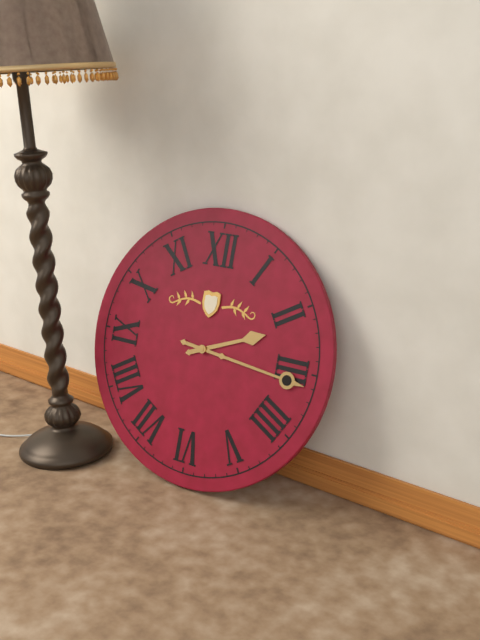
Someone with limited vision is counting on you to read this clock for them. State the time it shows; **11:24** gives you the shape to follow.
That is **2:16**
